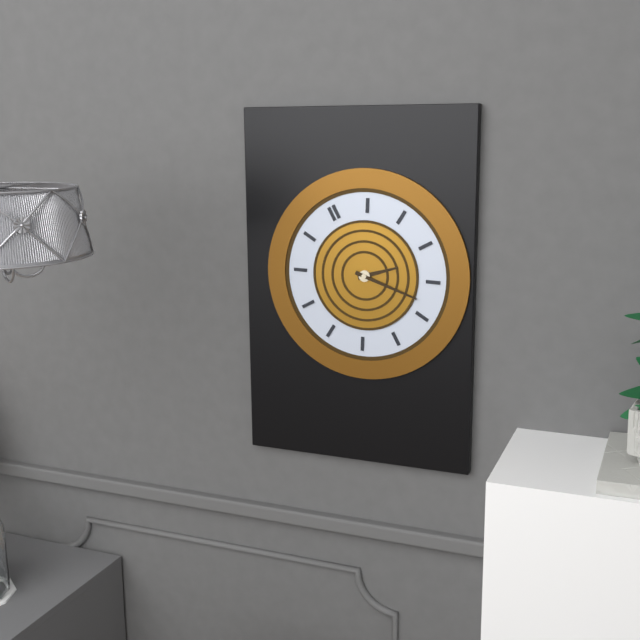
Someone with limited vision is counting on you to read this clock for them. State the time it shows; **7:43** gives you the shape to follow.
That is **3:23**
